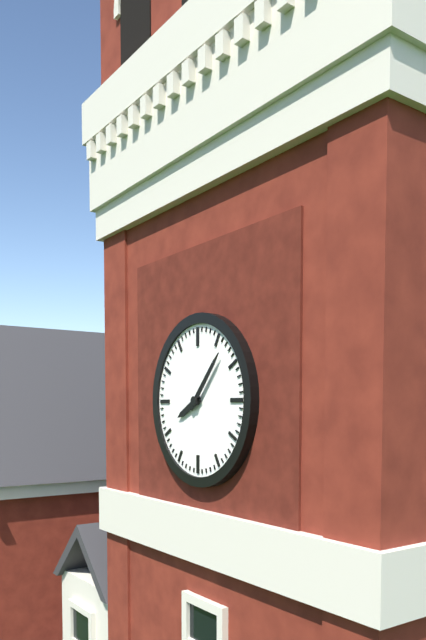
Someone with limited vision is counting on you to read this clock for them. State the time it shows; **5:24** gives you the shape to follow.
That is **8:07**
